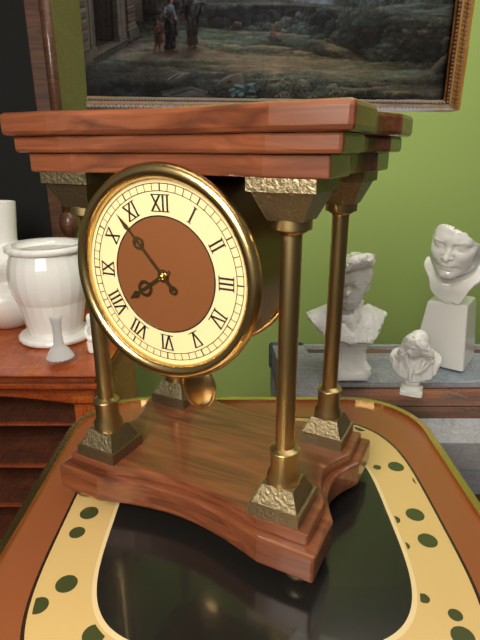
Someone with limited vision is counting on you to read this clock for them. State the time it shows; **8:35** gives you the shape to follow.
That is **7:53**
